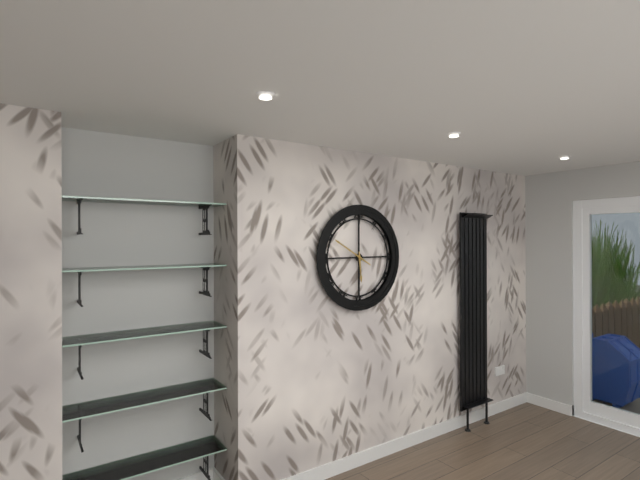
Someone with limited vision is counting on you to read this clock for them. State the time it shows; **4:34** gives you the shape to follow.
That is **5:50**
